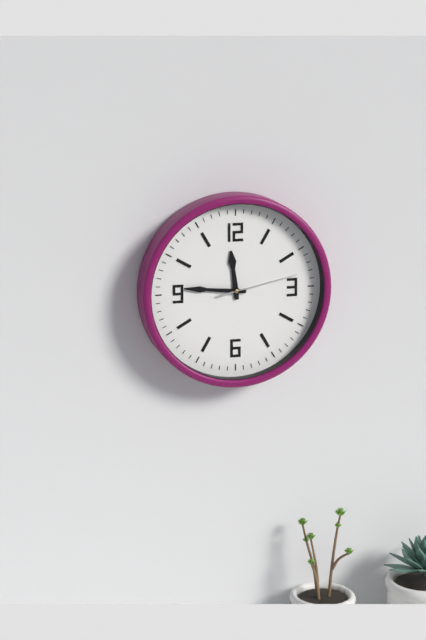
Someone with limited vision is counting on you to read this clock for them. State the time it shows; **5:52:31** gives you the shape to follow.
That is **11:46:13**
